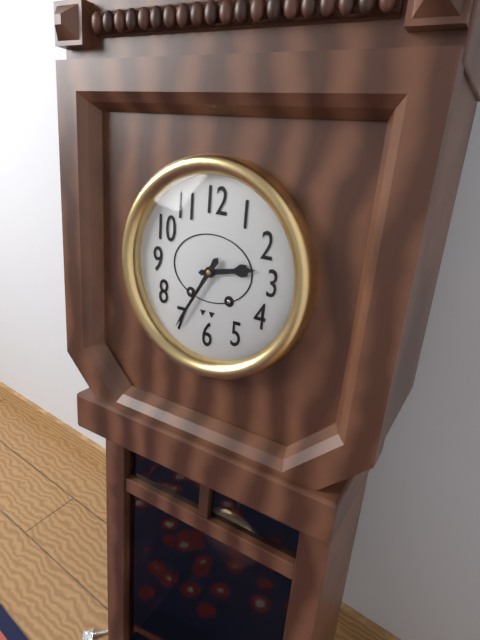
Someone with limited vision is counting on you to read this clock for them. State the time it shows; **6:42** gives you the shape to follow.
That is **2:35**
